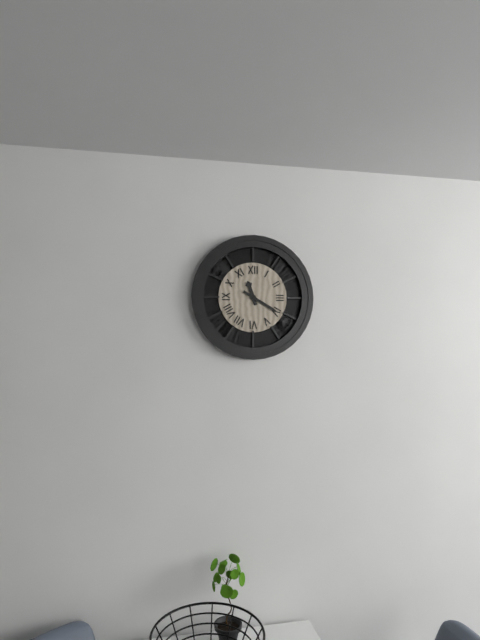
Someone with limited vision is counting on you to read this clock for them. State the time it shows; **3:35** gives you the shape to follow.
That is **11:20**
